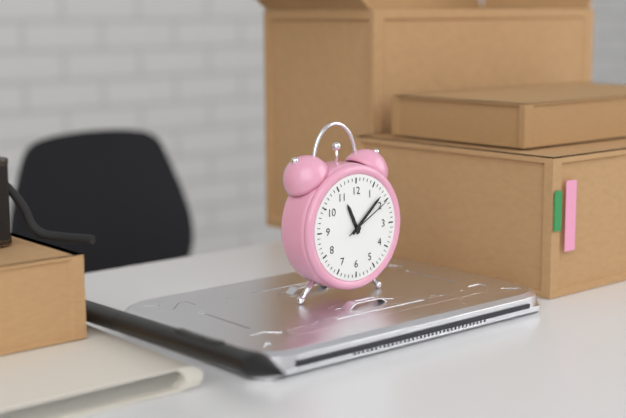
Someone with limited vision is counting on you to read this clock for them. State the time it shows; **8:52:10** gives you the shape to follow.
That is **11:08:10**
